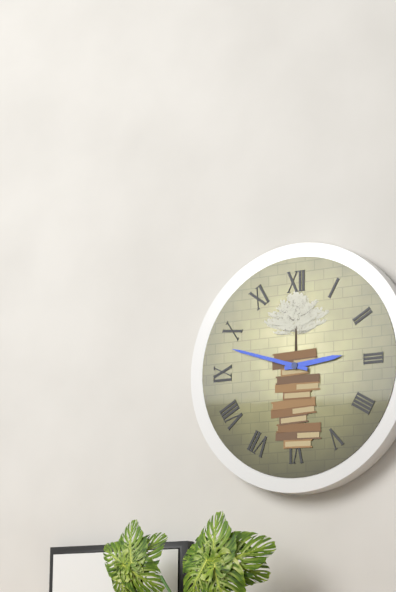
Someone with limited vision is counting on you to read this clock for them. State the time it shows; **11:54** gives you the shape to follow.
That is **2:48**
